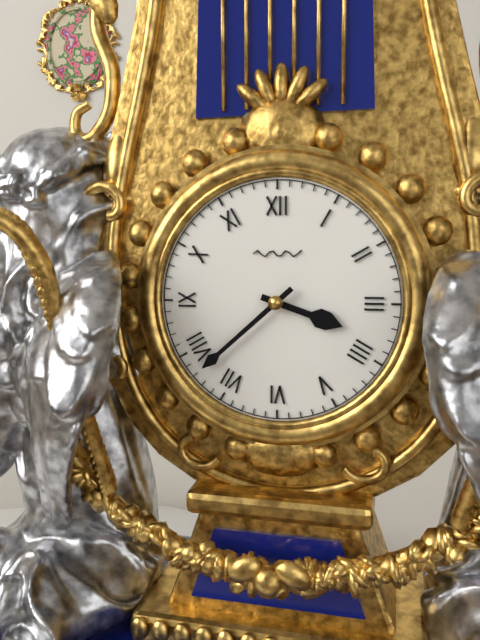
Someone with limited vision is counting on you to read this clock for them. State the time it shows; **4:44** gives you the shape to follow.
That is **3:38**
